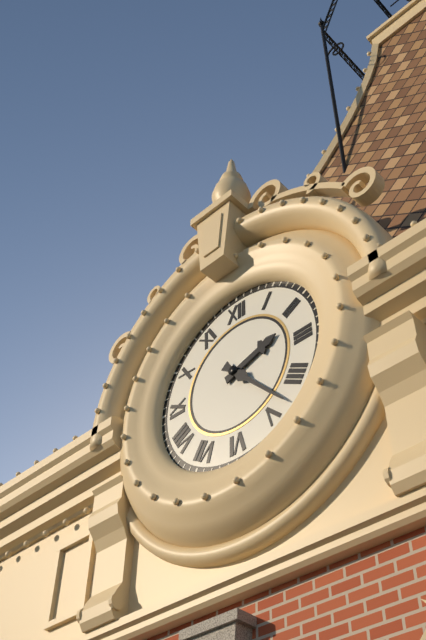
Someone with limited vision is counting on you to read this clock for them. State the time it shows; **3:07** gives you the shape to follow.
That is **2:23**
